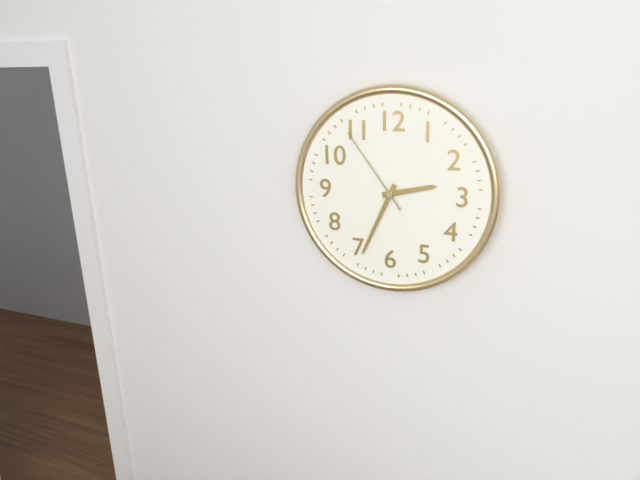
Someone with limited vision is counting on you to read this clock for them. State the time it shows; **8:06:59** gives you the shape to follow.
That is **2:34:54**
